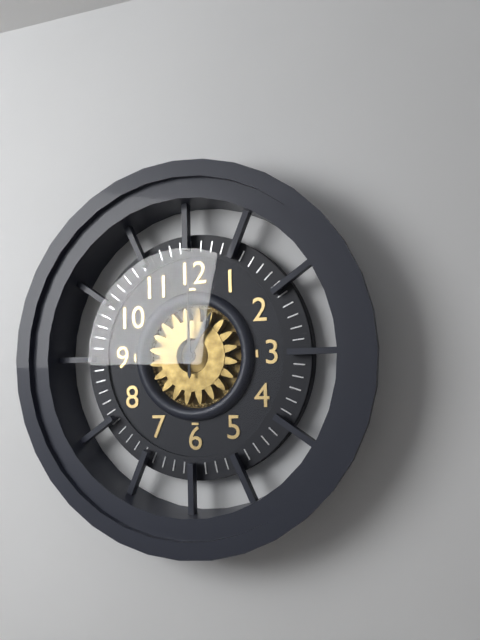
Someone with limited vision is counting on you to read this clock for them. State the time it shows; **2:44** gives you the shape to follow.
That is **1:00**
